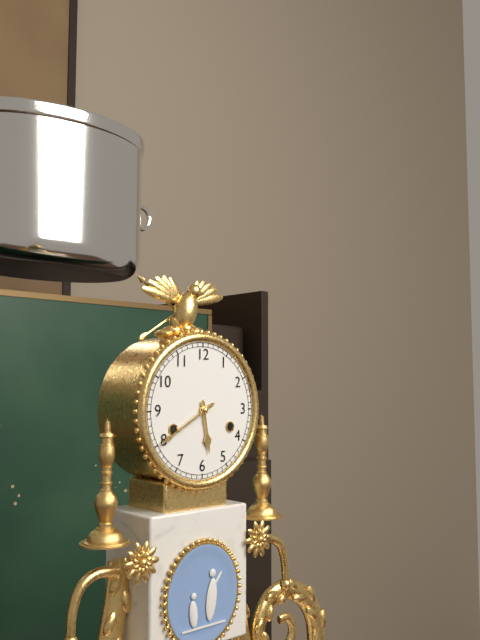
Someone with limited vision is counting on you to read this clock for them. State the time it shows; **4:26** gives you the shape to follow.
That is **5:40**
